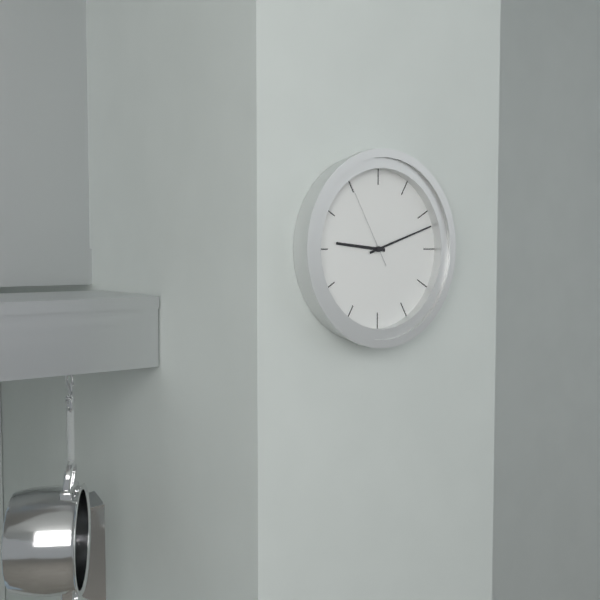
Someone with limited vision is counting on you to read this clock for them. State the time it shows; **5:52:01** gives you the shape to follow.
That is **9:12:55**
